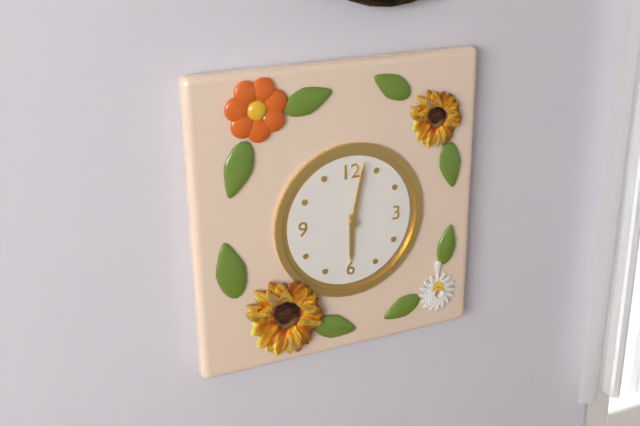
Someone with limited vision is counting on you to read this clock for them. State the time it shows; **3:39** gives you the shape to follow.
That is **6:02**
